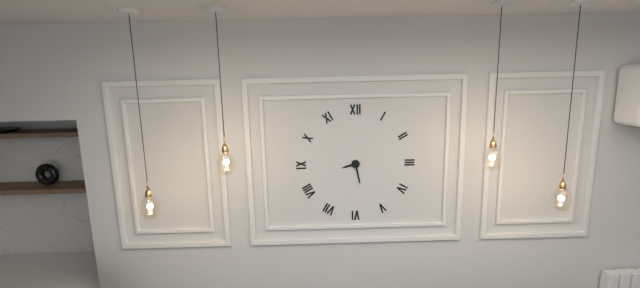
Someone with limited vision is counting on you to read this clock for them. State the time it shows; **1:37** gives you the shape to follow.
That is **8:28**
